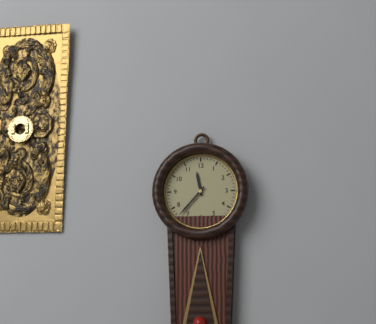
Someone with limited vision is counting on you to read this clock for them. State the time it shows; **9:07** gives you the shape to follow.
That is **11:37**
